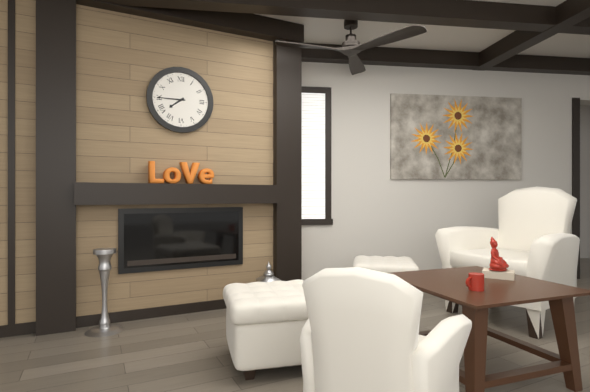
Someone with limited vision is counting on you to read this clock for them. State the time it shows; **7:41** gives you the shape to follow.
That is **7:45**
